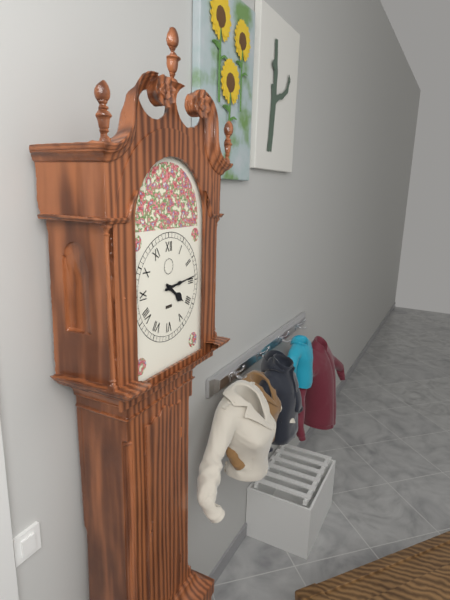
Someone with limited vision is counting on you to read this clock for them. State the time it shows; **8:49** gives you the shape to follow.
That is **4:14**
